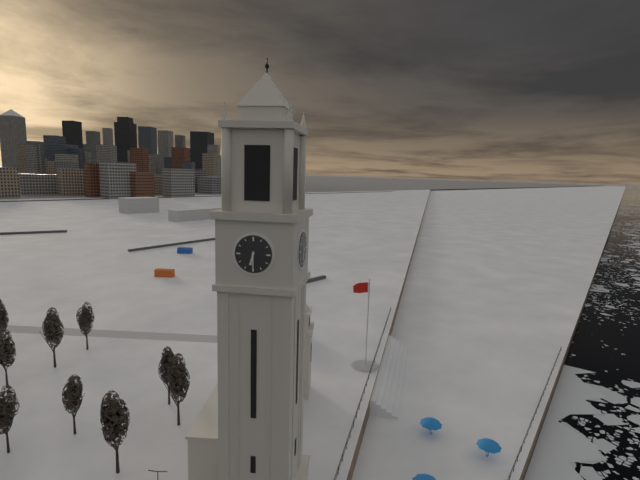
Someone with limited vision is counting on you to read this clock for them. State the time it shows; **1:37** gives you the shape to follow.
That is **6:30**
